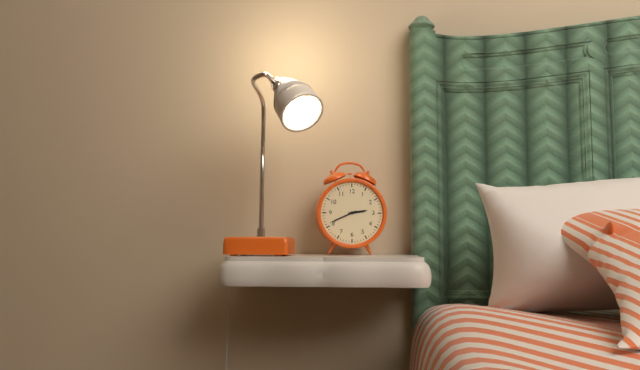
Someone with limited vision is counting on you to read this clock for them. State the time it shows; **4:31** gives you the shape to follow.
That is **2:41**
